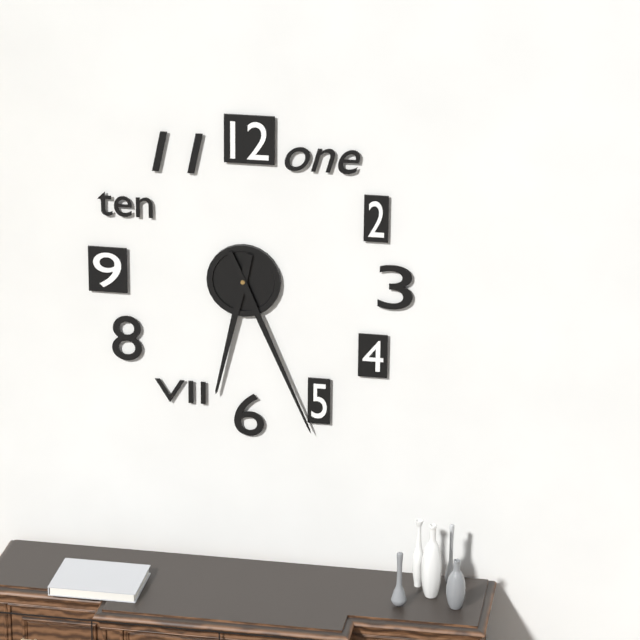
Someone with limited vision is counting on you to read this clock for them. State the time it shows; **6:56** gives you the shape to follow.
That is **6:26**
